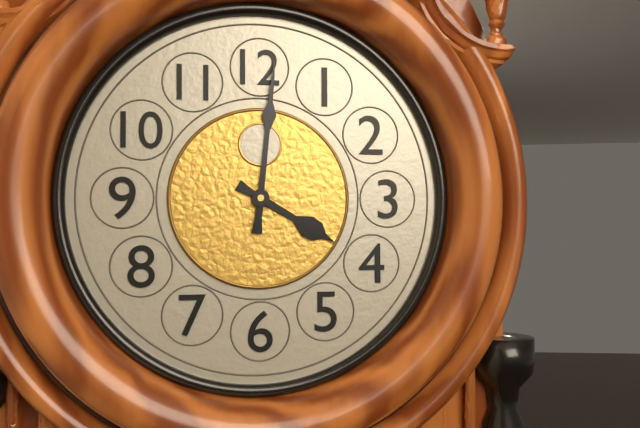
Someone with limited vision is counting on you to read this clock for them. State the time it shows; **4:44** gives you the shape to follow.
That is **4:01**
